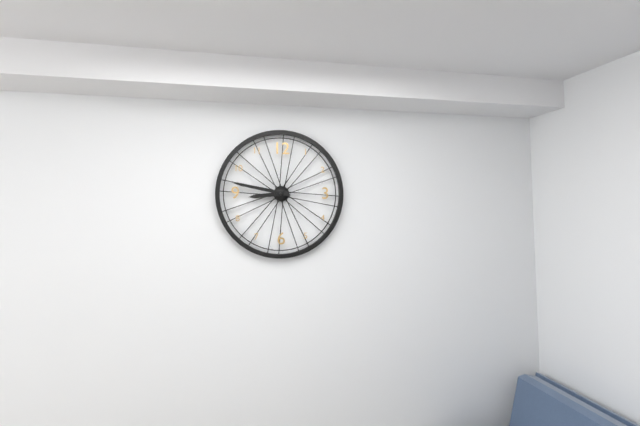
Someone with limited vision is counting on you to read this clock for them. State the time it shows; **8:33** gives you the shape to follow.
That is **8:47**
